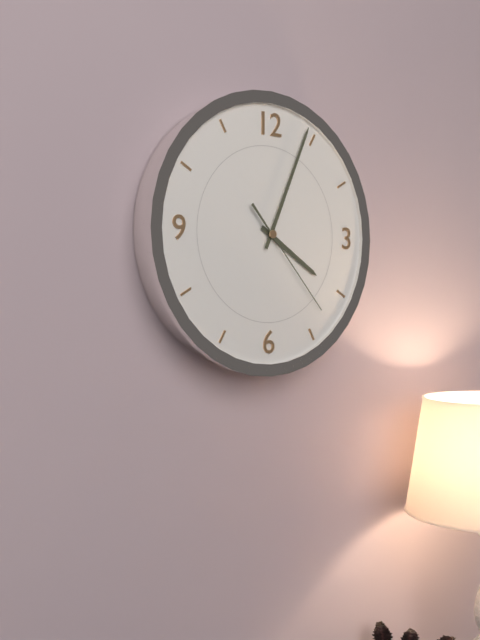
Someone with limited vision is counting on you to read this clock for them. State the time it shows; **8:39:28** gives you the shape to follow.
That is **4:04:23**
